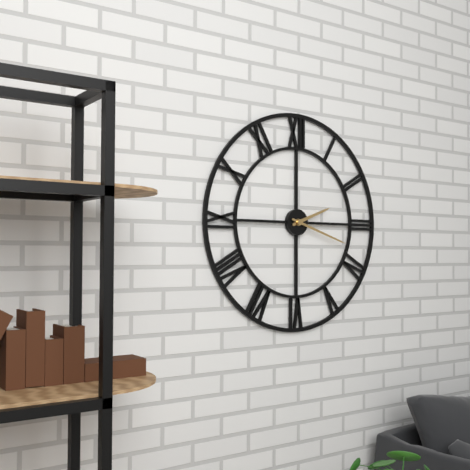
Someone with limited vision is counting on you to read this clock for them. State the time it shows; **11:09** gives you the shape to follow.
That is **2:18**
